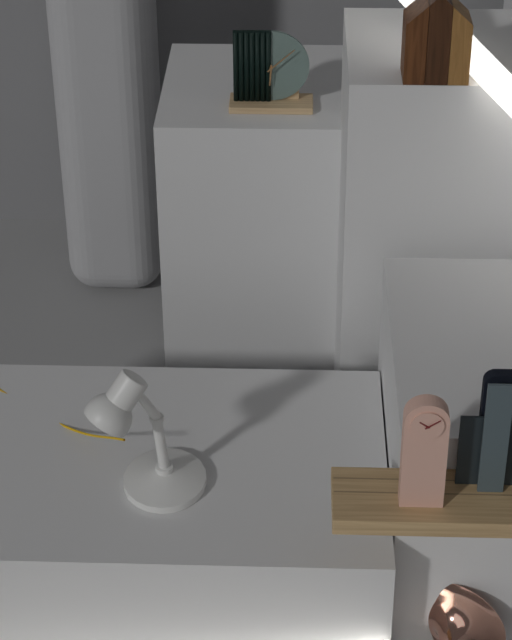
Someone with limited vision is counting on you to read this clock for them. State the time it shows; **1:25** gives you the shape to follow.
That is **6:08**
